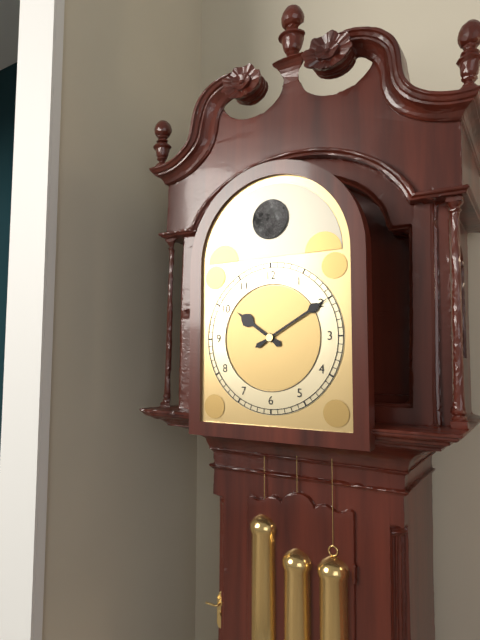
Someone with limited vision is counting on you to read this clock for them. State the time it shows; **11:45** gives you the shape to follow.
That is **10:10**
